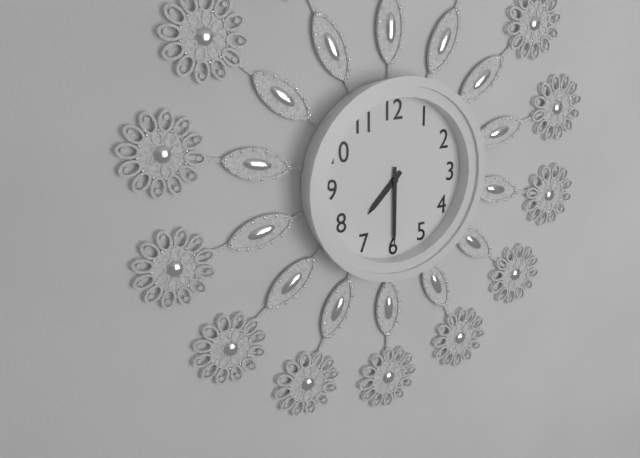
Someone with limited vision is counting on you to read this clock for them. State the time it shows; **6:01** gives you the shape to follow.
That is **7:30**
